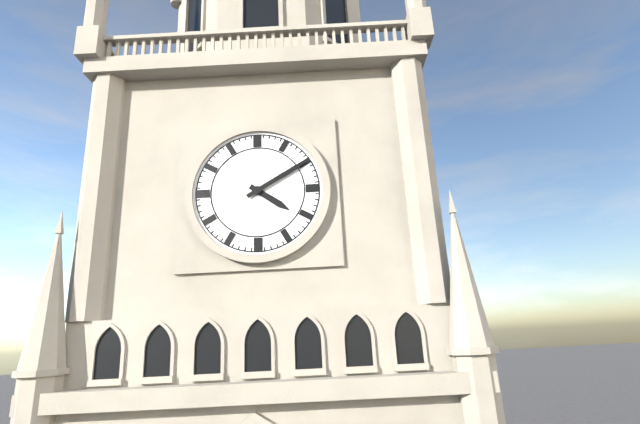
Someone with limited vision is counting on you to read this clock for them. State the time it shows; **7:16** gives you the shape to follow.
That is **4:10**
